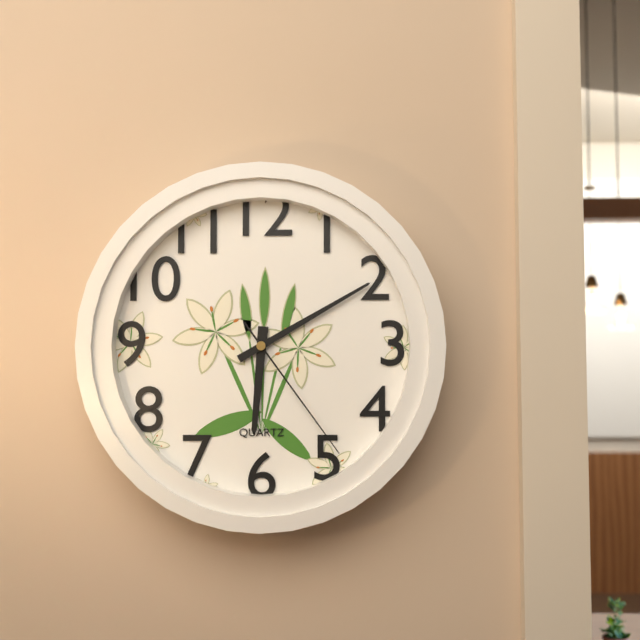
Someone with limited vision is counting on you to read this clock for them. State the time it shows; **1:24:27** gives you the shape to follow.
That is **6:10:24**
